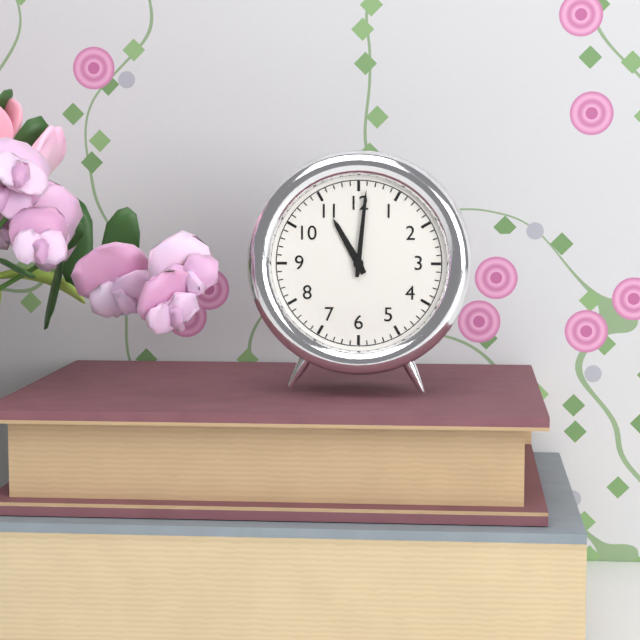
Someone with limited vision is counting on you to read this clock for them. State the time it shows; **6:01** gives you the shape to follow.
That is **11:01**
